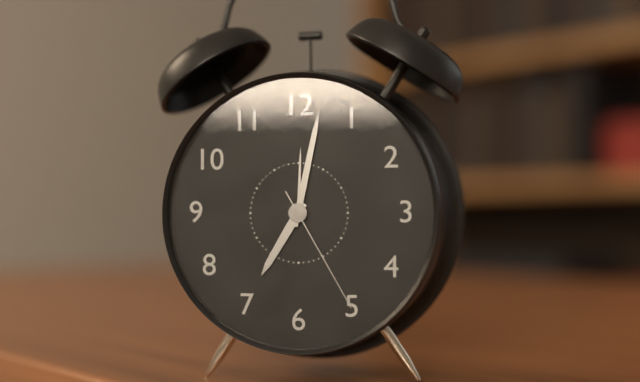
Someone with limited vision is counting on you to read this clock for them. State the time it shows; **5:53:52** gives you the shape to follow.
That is **7:02:25**
